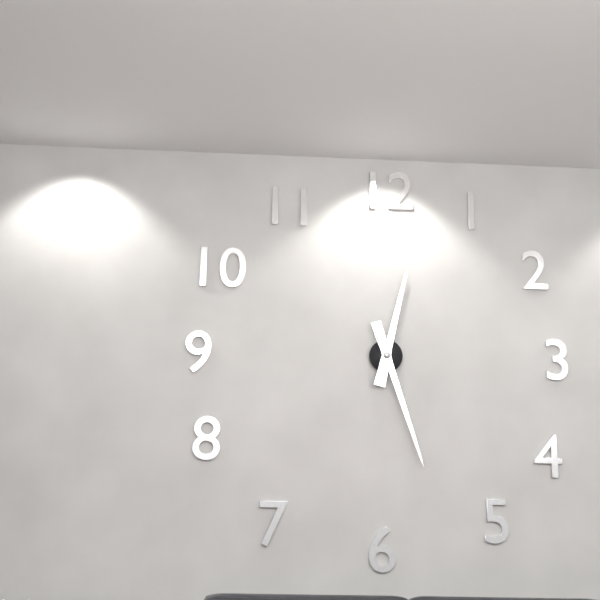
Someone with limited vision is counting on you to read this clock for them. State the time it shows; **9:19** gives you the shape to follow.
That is **12:27**
